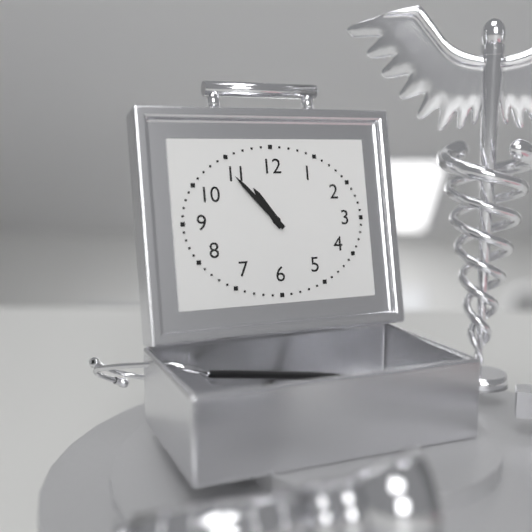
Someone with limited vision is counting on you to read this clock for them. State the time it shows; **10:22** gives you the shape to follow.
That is **10:53**
